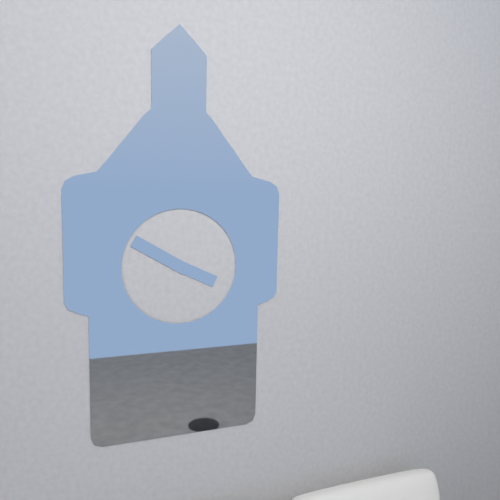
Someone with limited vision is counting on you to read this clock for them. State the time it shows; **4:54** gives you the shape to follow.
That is **3:50**
